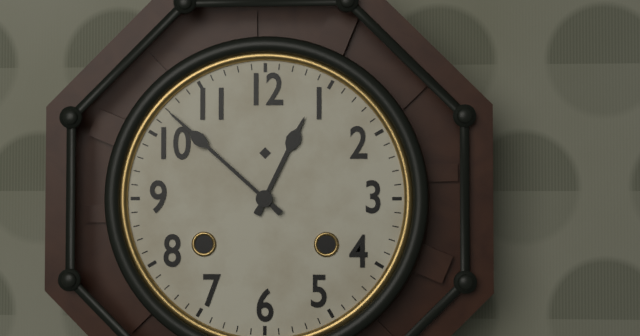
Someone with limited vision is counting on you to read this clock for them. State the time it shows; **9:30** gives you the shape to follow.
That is **12:52**
